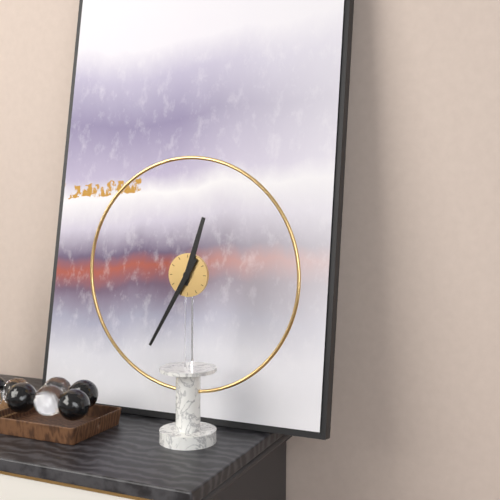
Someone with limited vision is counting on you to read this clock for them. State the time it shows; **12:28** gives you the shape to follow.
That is **12:35**
